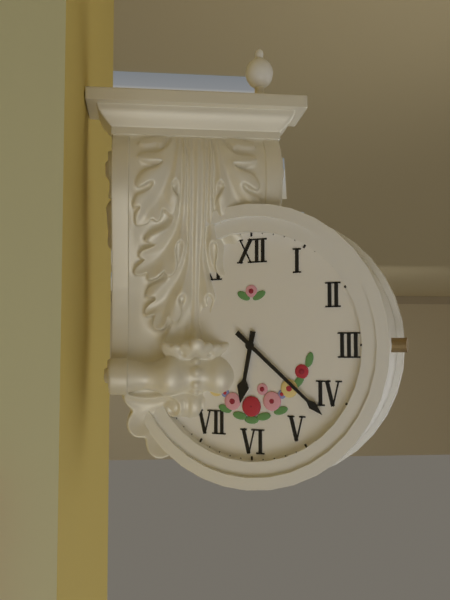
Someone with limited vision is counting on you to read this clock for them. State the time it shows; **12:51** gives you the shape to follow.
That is **6:22**
